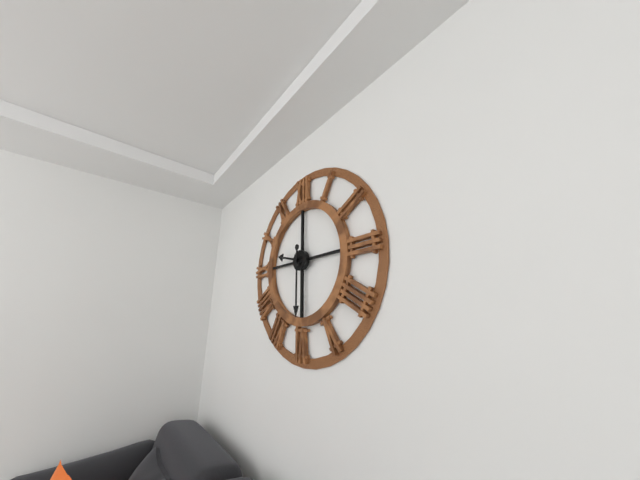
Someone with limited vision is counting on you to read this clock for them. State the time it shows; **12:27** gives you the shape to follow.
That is **9:30**
